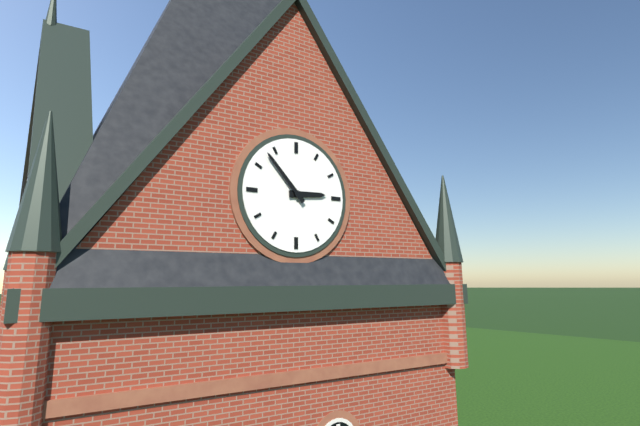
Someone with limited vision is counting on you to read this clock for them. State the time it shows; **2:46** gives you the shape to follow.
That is **2:53**
